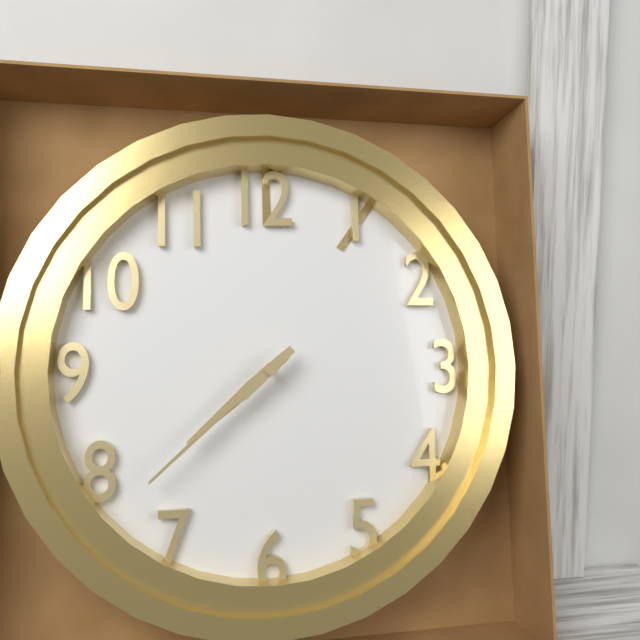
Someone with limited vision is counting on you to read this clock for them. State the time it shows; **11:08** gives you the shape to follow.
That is **7:38**
